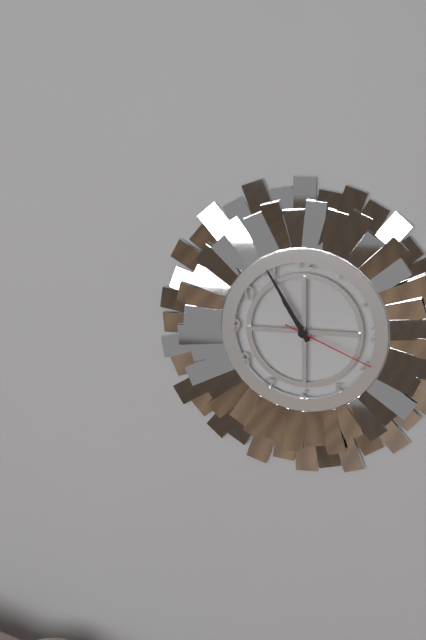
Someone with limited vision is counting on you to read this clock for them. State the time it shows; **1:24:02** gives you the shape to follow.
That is **10:55:19**
